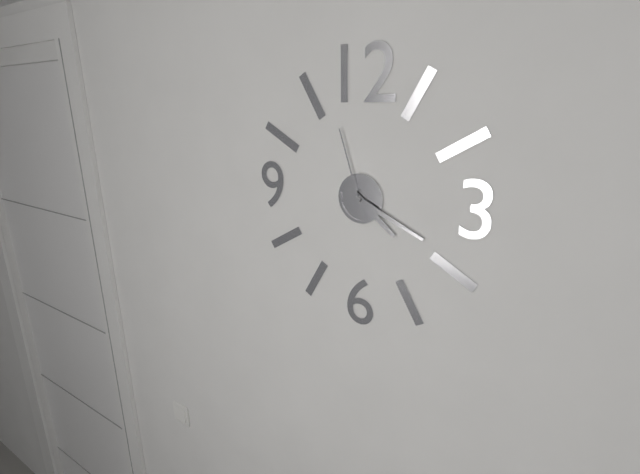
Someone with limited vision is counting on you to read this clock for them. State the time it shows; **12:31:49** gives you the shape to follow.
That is **4:19:57**
